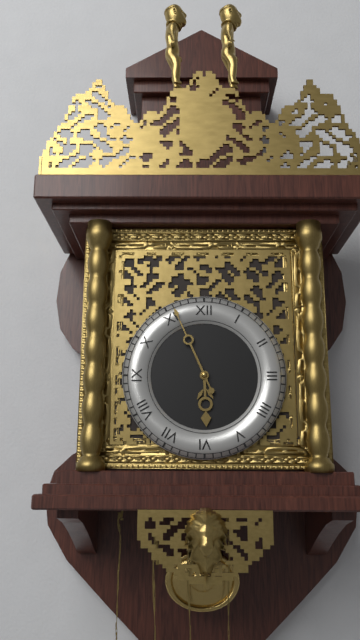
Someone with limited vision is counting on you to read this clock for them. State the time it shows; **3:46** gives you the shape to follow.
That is **5:56**
